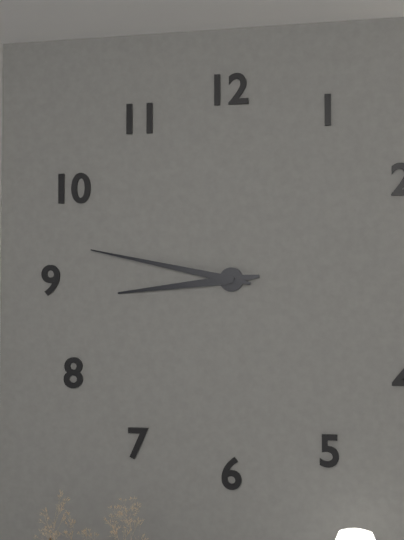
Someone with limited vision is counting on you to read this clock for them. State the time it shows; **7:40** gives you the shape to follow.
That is **8:47**
